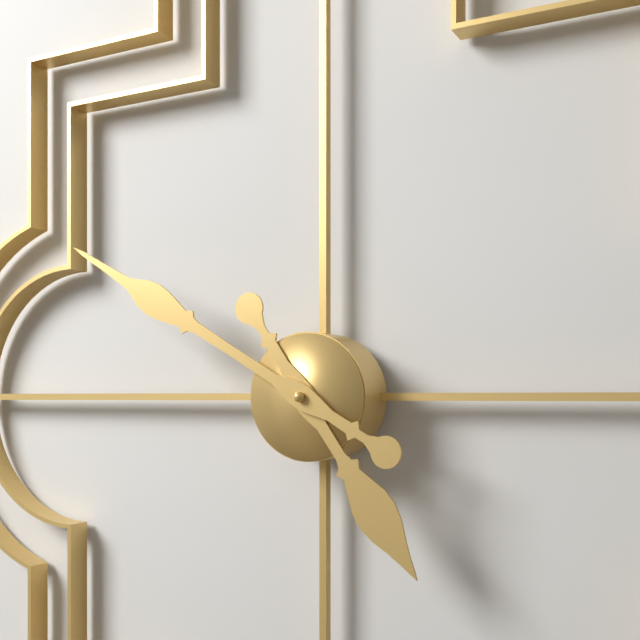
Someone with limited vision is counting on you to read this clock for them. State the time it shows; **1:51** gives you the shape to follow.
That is **4:50**
